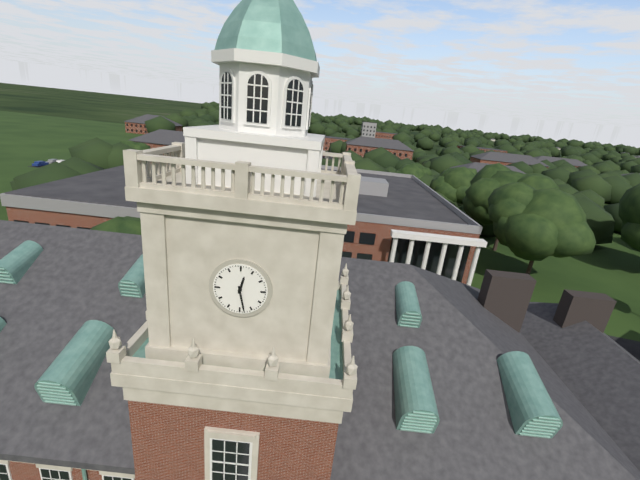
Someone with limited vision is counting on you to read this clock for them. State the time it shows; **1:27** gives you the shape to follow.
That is **12:28**
